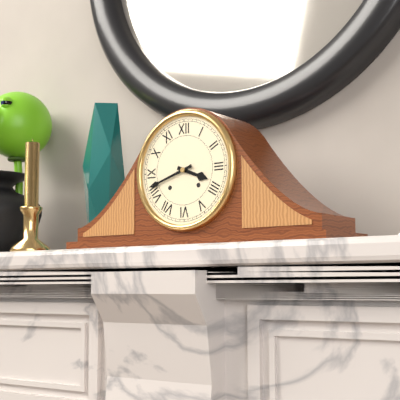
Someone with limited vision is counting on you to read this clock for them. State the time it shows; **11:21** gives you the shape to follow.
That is **3:42**
